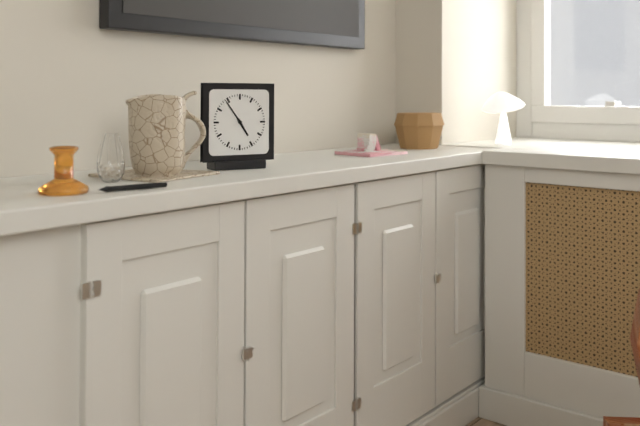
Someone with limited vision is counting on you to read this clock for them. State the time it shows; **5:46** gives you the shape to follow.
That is **4:54**
